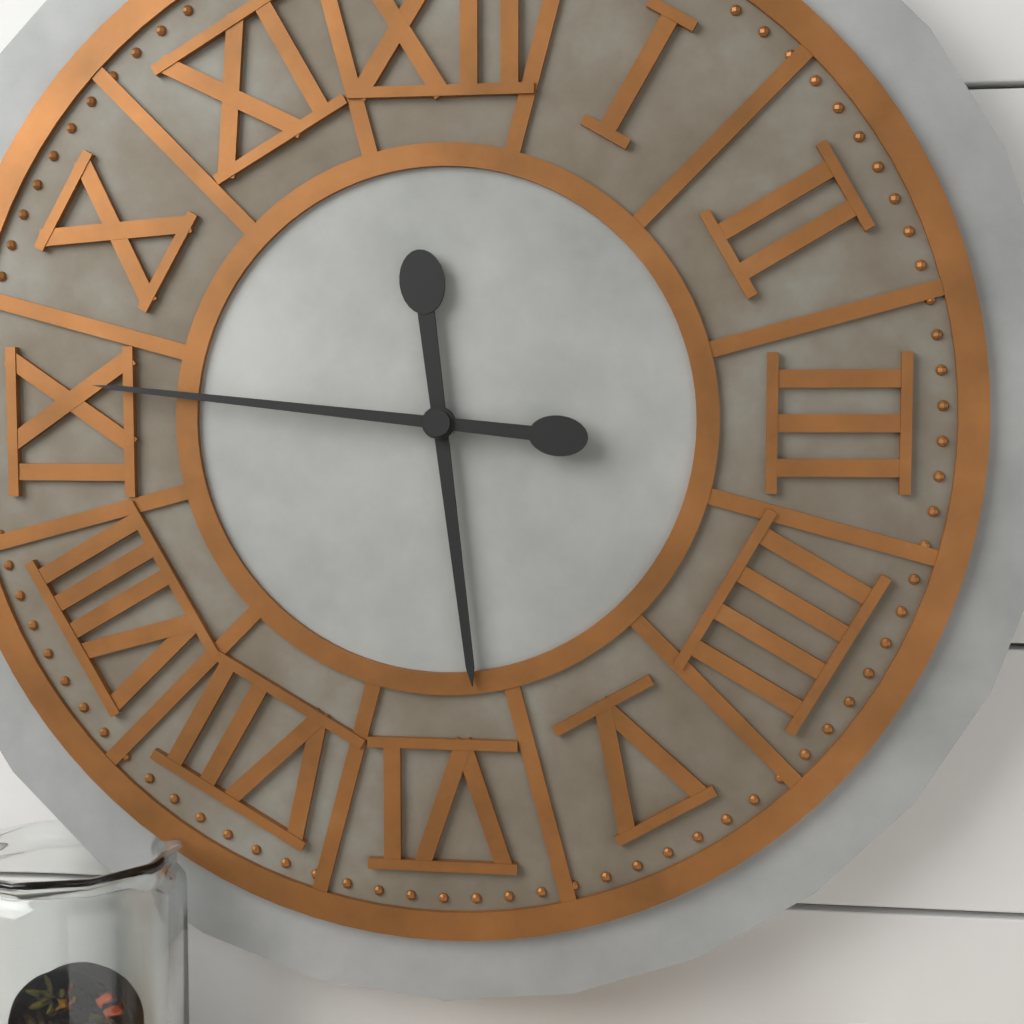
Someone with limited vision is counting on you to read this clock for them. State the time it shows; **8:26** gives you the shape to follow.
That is **5:46**
